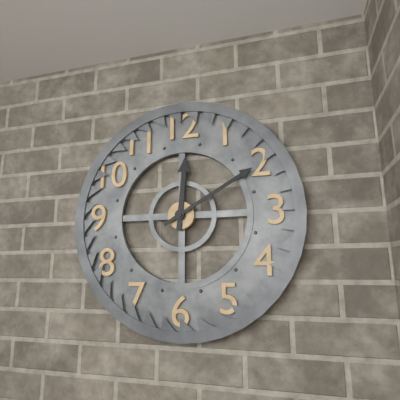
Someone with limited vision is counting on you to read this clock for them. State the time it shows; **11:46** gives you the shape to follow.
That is **12:10**
